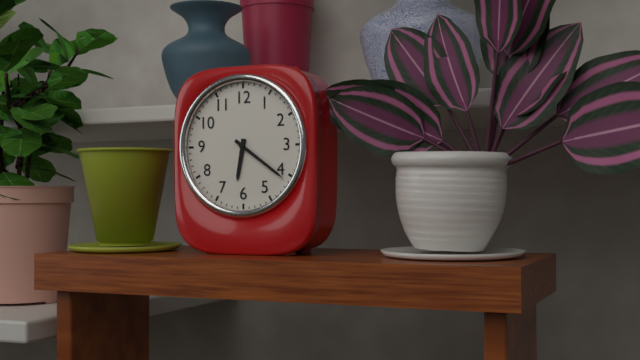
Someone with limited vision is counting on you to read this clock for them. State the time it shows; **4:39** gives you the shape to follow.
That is **6:21**
